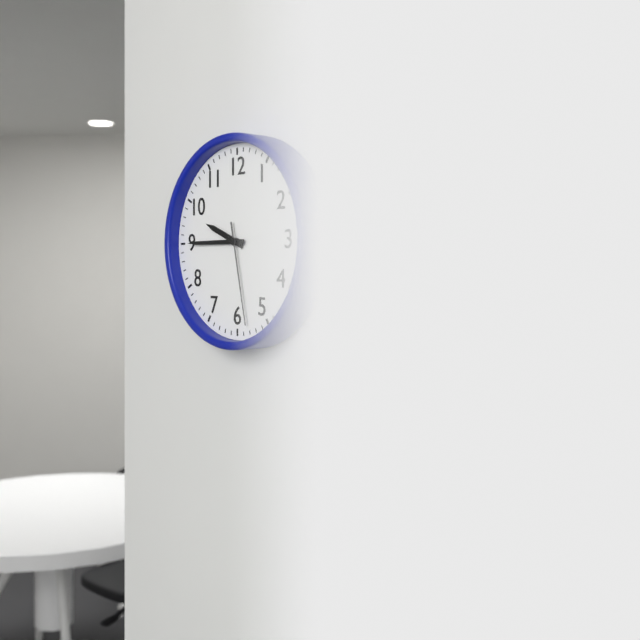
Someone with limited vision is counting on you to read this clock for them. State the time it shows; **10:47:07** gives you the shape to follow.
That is **9:45:28**
